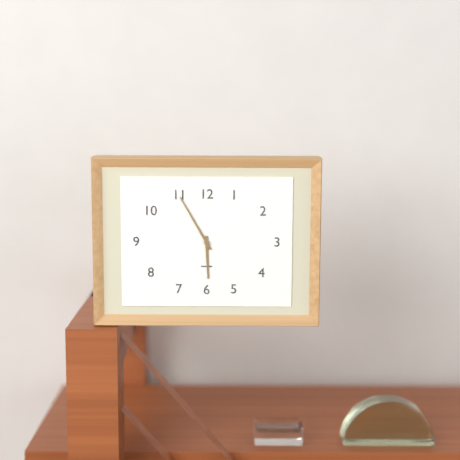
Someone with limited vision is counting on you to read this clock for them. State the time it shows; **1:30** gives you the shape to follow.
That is **5:55**
